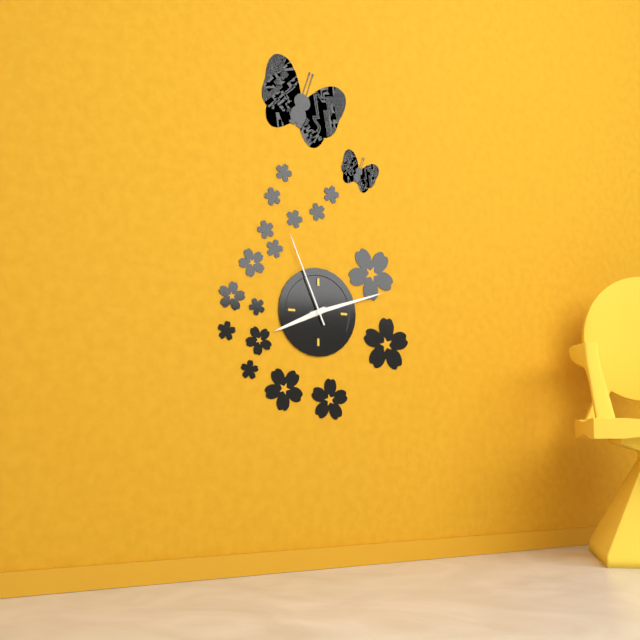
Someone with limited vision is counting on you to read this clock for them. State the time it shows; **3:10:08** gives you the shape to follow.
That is **8:12:56**
